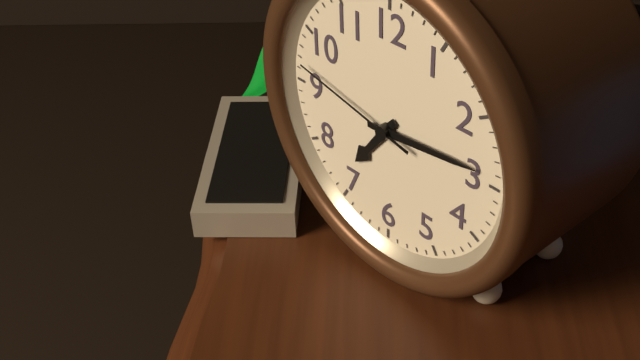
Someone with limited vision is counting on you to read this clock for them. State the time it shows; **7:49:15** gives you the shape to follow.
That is **7:14:47**
